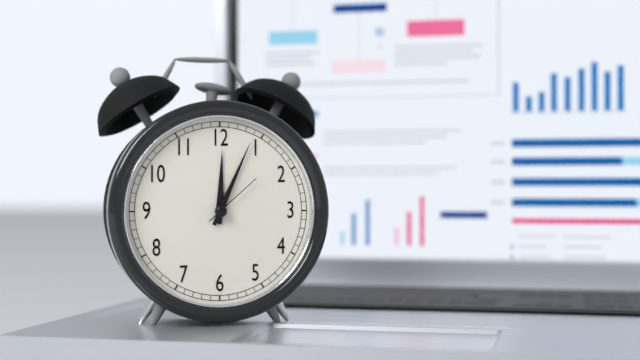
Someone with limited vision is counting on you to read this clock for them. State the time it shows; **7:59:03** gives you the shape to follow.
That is **12:04:08**
